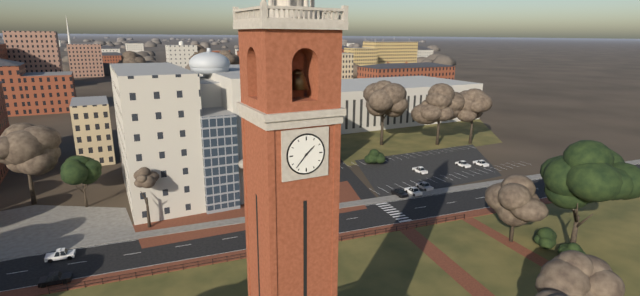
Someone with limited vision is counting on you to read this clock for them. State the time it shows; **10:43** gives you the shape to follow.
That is **1:37**
